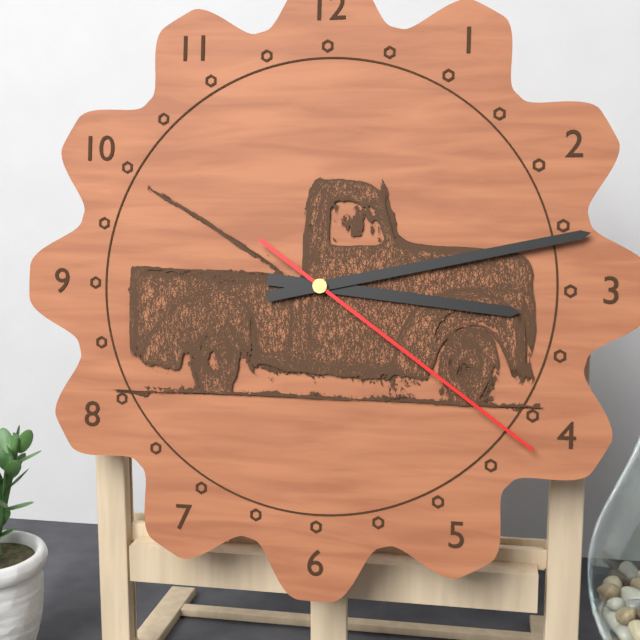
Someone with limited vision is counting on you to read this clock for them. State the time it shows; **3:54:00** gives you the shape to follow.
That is **3:13:21**
